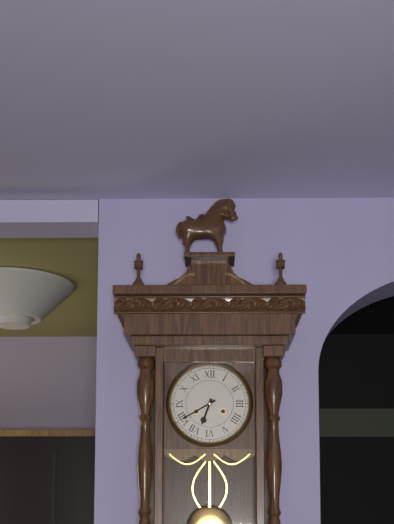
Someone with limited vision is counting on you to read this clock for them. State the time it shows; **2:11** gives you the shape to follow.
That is **6:40**
